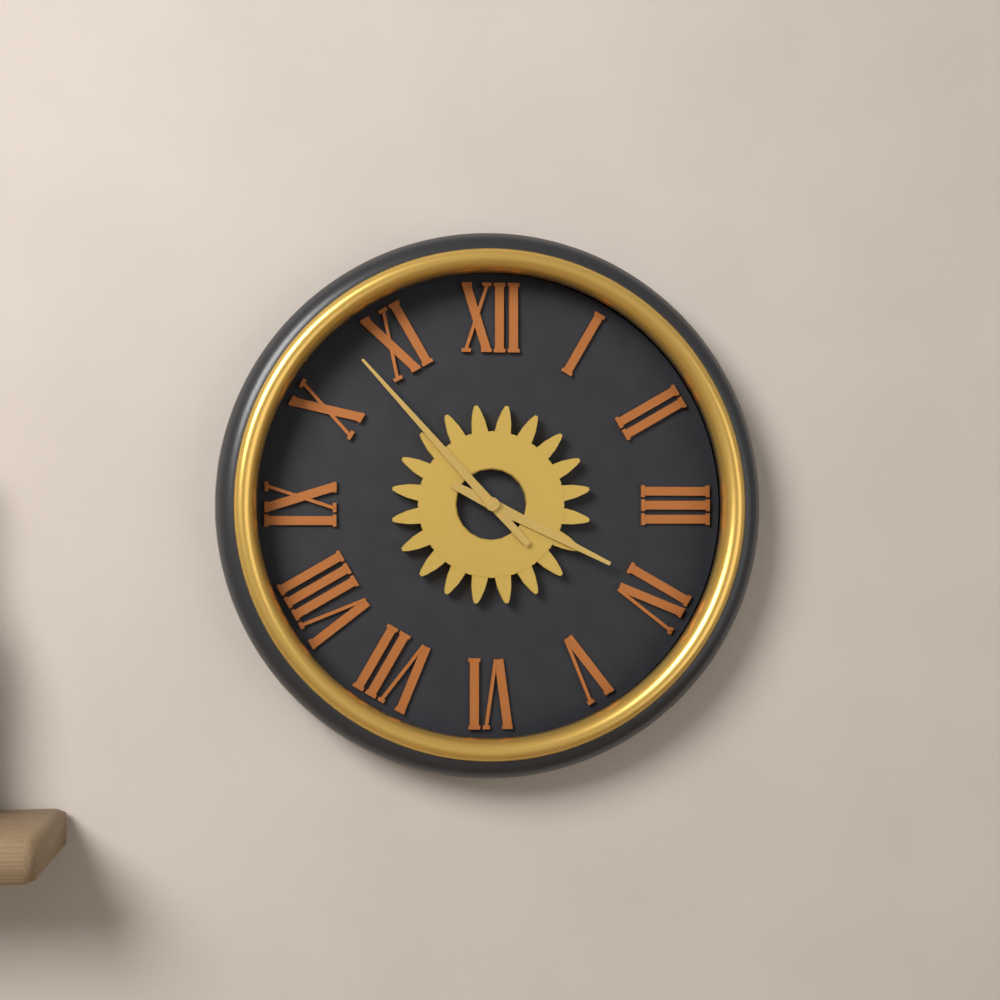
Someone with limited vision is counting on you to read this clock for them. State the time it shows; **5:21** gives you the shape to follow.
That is **3:53**
